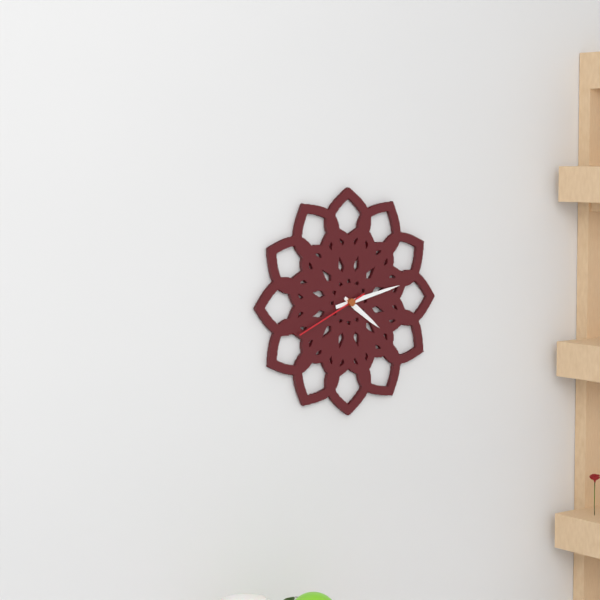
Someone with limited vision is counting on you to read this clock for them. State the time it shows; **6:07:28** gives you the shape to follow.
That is **4:13:41**
